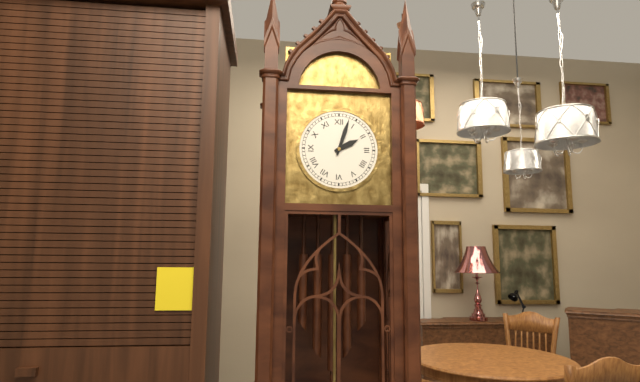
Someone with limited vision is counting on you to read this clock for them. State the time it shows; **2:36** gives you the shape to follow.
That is **2:03**
